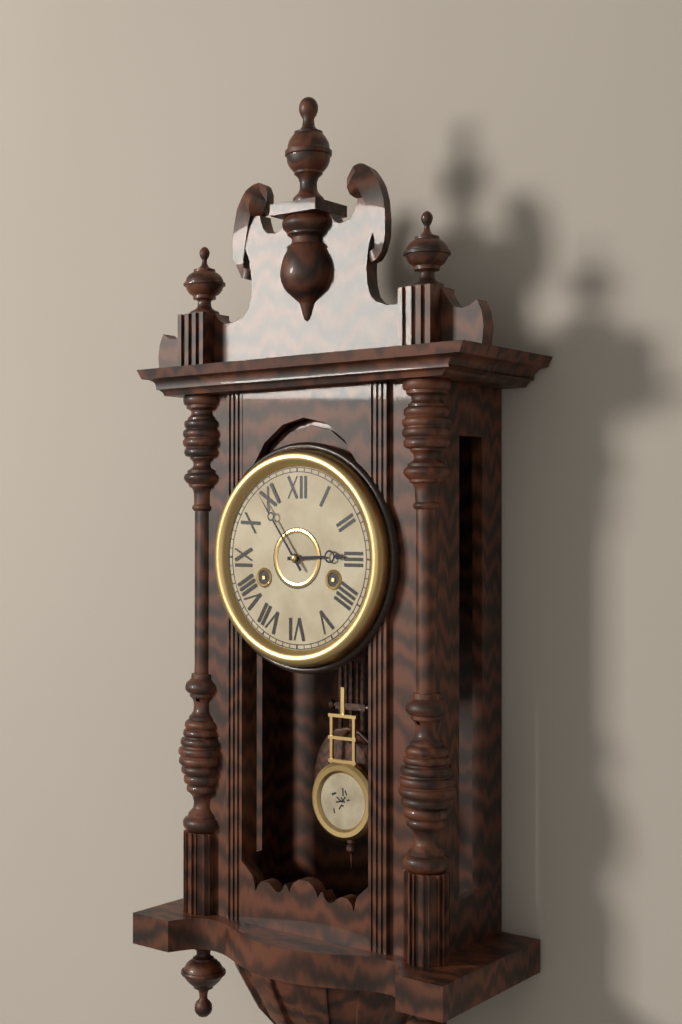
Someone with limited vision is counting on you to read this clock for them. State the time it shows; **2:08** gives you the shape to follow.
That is **2:54**
